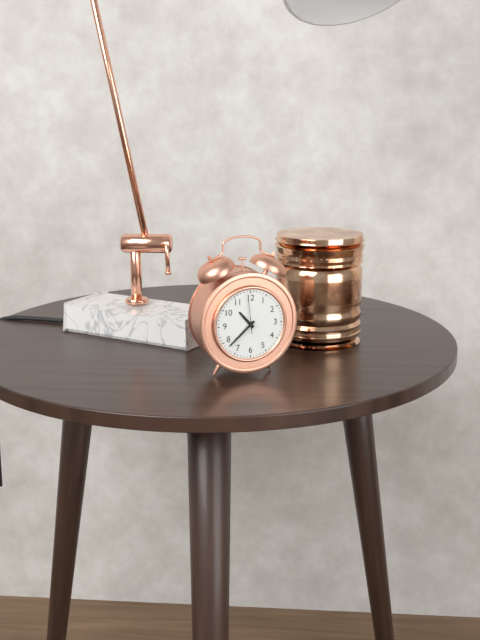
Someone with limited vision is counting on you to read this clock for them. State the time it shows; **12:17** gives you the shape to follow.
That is **10:38**
